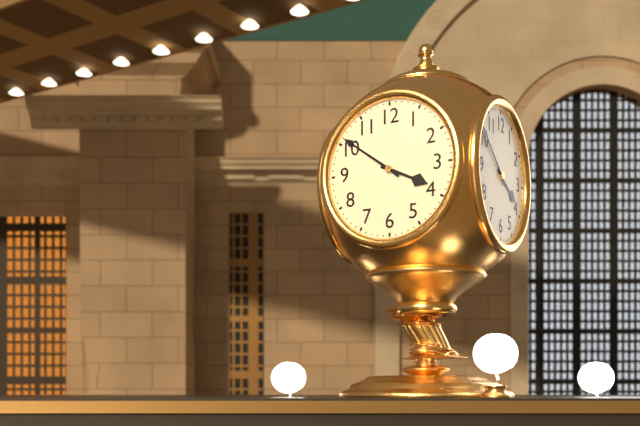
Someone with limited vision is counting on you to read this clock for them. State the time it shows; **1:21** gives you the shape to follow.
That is **3:51**
